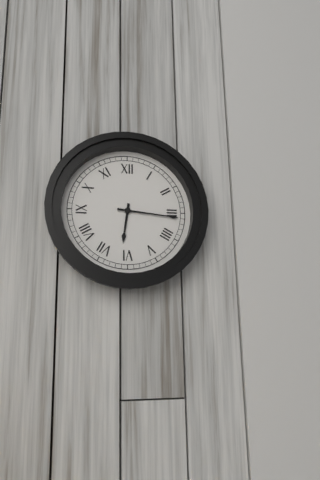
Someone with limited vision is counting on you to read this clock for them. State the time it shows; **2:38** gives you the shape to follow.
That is **6:16**
